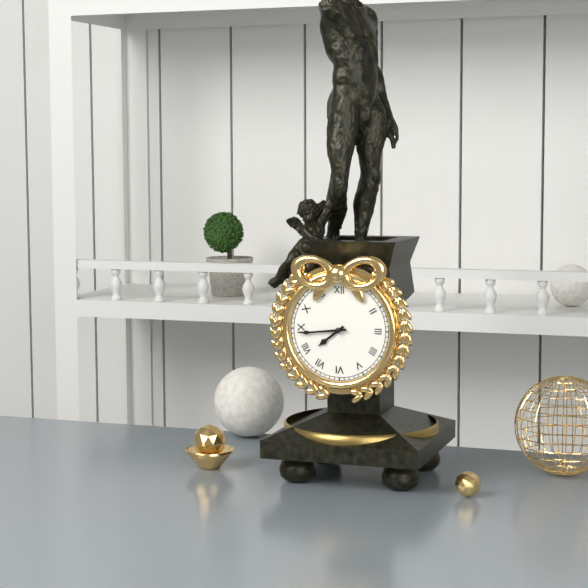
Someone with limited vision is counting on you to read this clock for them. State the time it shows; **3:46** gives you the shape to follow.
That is **7:44**
